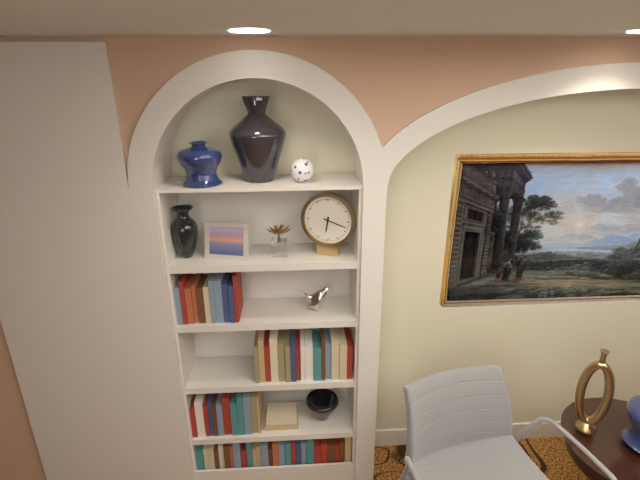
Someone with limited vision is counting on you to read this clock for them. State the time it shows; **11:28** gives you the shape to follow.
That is **6:18**
